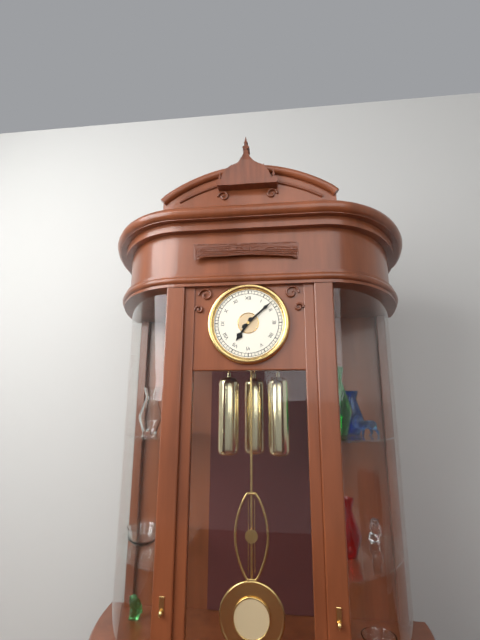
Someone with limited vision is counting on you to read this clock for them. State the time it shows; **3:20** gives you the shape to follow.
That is **7:08**
